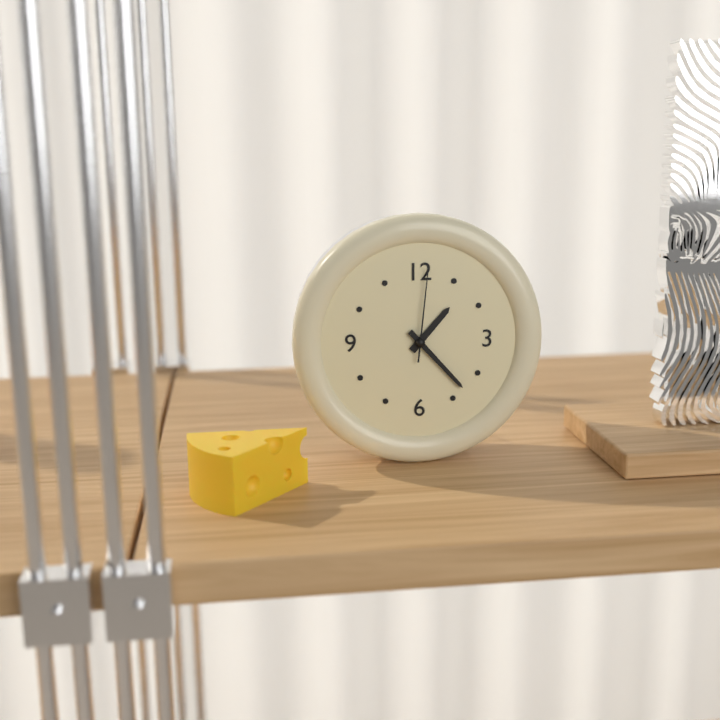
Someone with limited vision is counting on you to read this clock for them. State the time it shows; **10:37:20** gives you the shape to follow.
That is **1:23:01**
